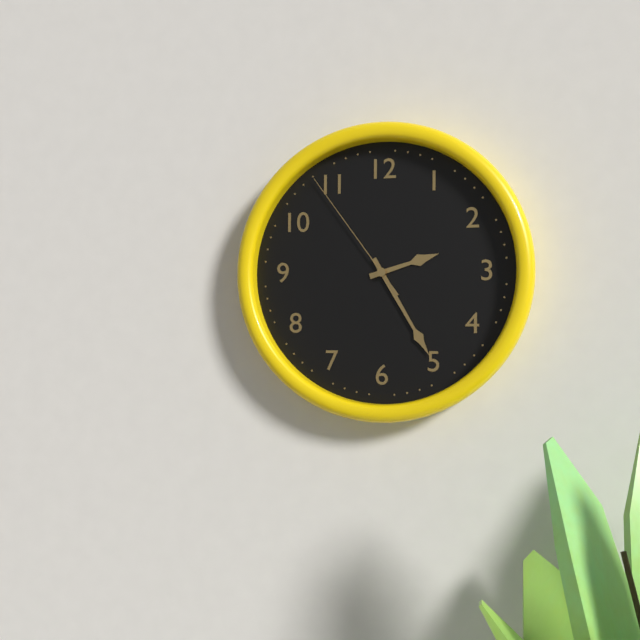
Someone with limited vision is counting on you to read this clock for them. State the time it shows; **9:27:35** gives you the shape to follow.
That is **2:25:54**
